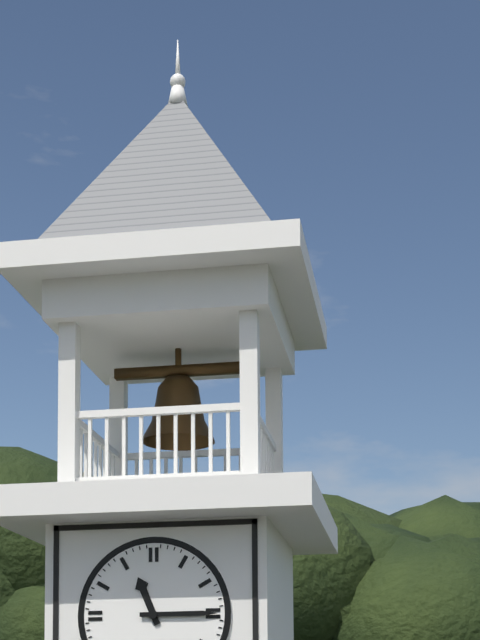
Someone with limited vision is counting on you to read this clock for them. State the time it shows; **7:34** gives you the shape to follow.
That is **11:15**
